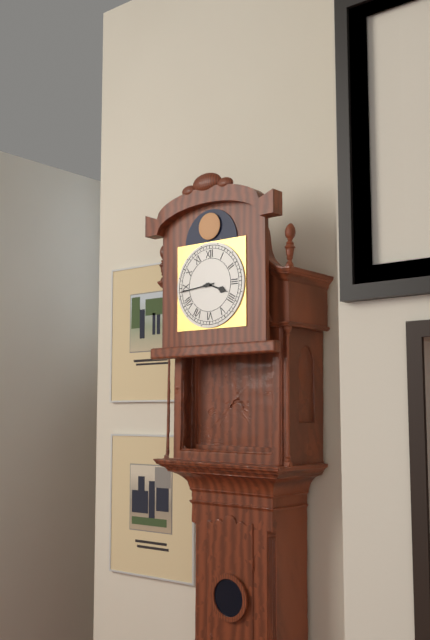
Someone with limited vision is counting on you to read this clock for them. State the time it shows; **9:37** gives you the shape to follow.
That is **3:44**
